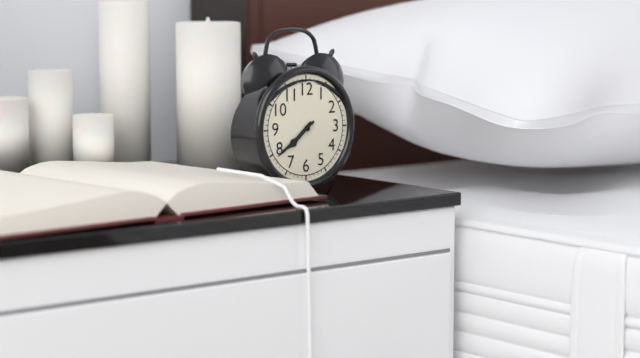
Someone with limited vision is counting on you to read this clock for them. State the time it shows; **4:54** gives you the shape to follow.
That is **7:39**
